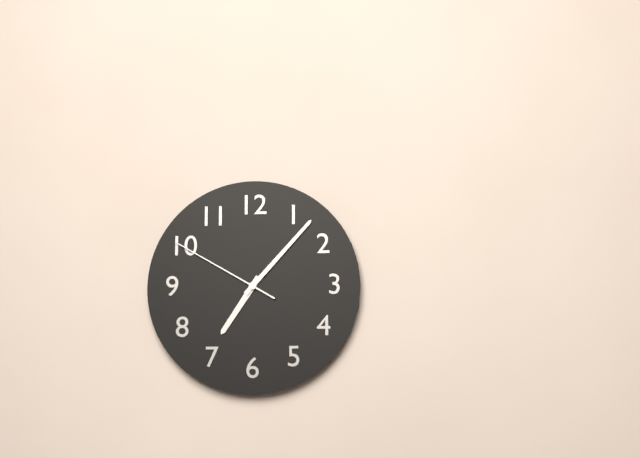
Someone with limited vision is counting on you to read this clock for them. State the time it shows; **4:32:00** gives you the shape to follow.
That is **7:07:50**
